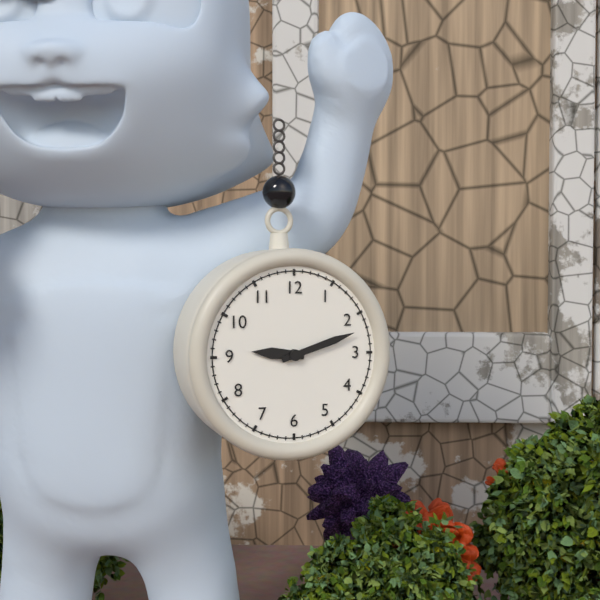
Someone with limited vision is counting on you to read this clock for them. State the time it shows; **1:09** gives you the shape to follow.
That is **9:12**
